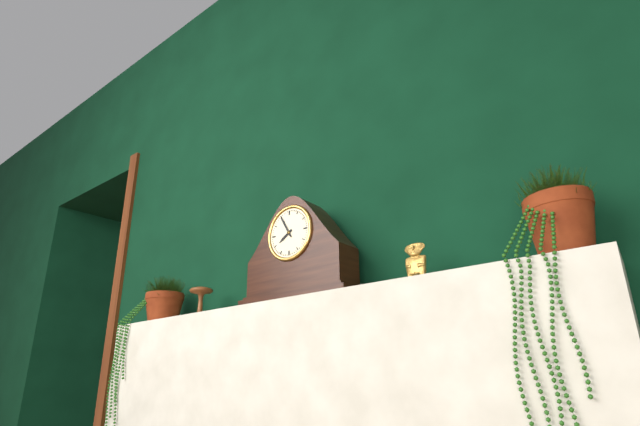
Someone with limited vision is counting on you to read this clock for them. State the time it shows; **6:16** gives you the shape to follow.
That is **7:55**
